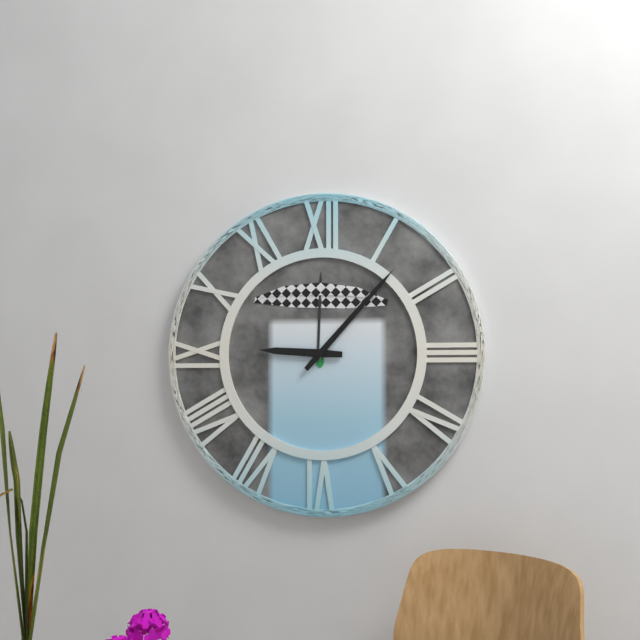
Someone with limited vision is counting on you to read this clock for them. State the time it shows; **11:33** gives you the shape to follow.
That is **9:07**
